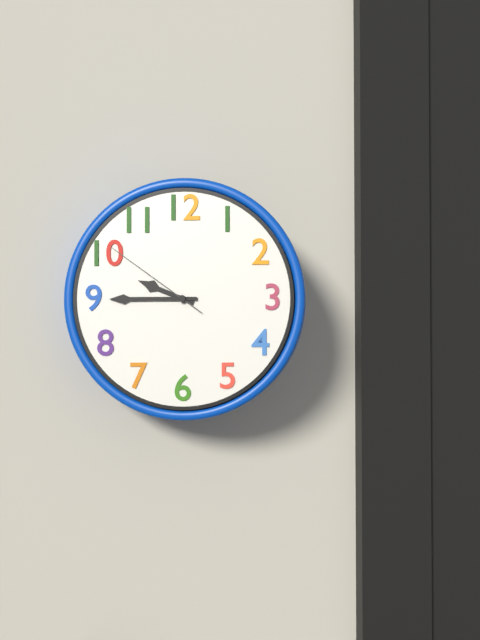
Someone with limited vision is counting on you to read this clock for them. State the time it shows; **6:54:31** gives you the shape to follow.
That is **9:45:51**
